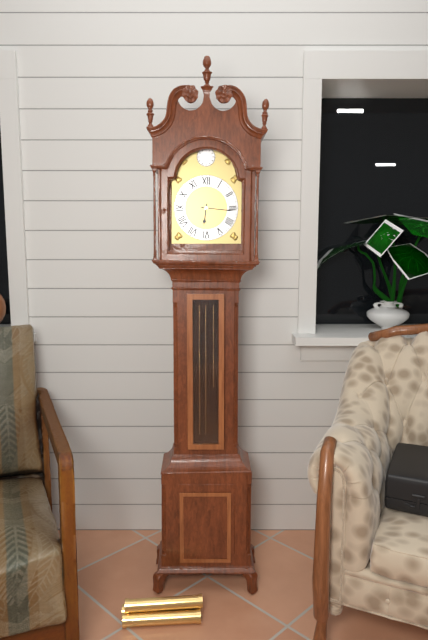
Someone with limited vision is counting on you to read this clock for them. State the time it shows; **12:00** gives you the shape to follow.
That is **6:16**
